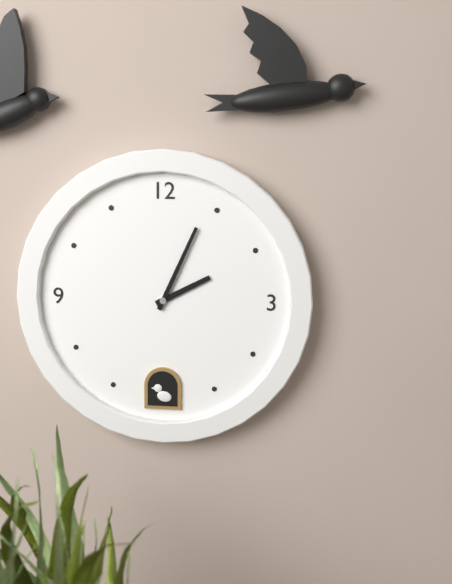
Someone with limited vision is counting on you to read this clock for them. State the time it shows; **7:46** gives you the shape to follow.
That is **2:04**
